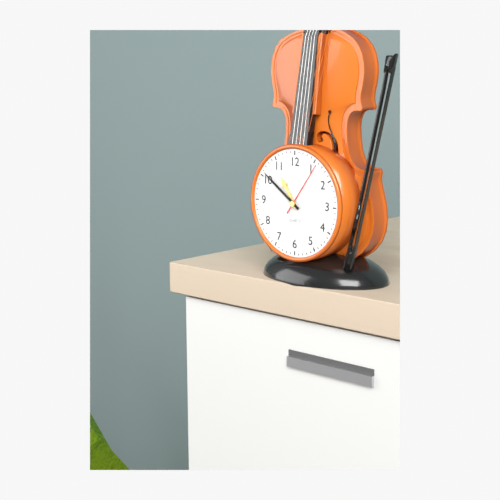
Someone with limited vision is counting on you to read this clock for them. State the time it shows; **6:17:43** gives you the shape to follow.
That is **10:51:06**
